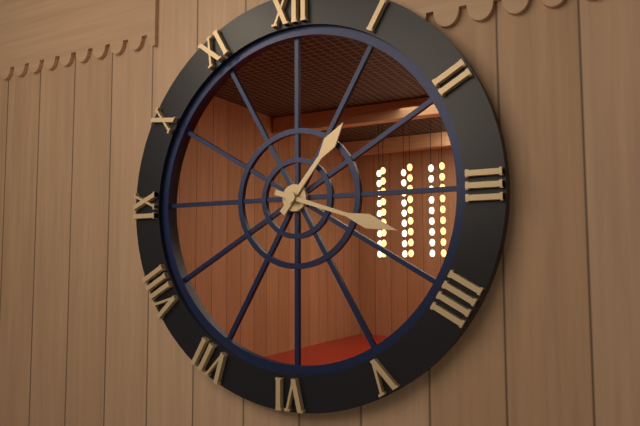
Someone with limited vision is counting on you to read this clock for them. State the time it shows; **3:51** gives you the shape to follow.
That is **1:18**
